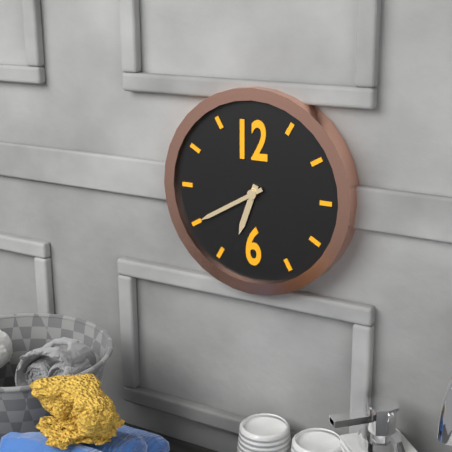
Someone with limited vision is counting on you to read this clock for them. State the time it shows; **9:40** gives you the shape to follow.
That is **6:40**
